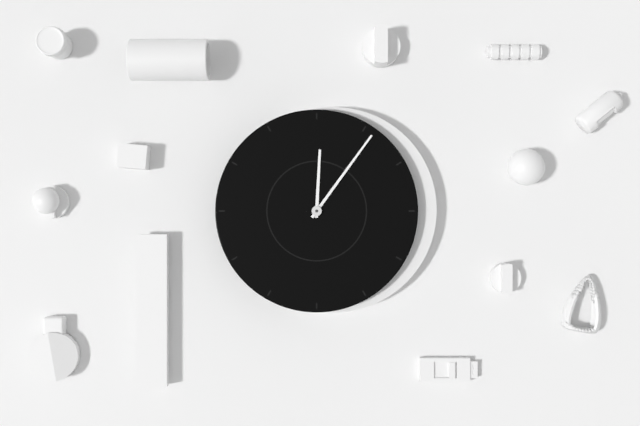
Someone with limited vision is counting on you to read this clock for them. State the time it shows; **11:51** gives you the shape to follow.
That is **12:06**
